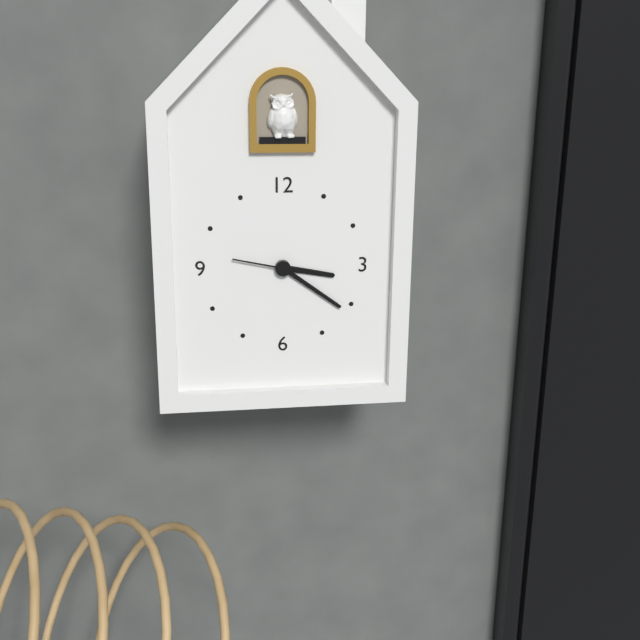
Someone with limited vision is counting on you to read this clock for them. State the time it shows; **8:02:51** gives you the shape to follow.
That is **3:21:47**
